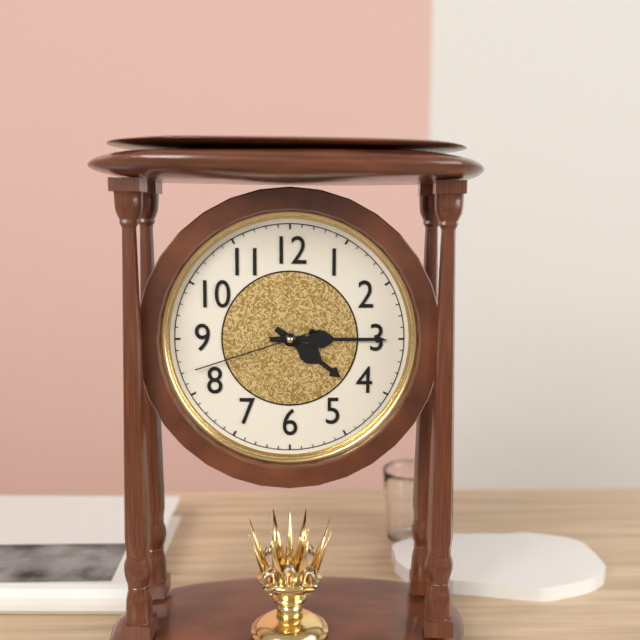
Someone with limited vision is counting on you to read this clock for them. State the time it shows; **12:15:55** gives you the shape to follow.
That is **4:15:42**
